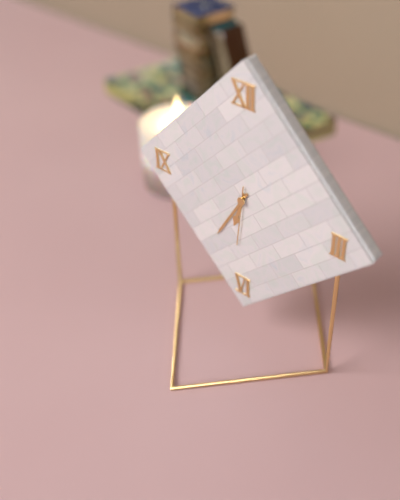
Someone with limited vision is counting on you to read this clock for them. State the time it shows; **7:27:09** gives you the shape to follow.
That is **6:35:31**
